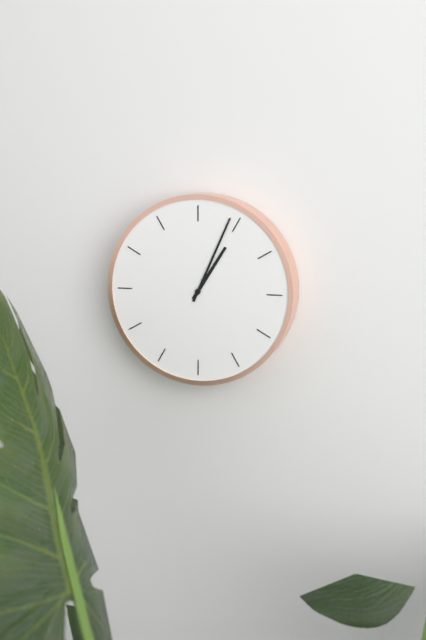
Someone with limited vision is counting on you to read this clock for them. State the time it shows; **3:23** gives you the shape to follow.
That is **1:04**
